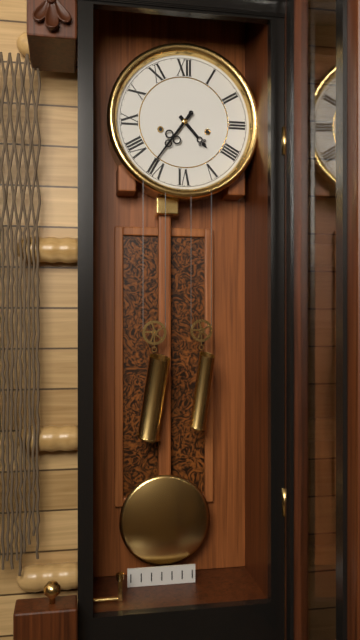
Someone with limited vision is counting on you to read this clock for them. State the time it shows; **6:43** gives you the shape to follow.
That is **4:36**
